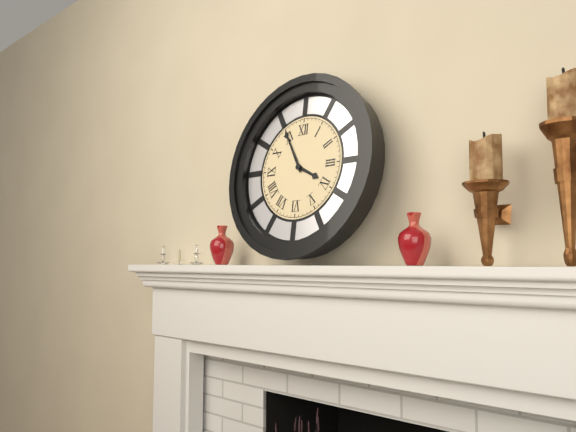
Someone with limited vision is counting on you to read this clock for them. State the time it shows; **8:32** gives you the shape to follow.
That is **3:55**
